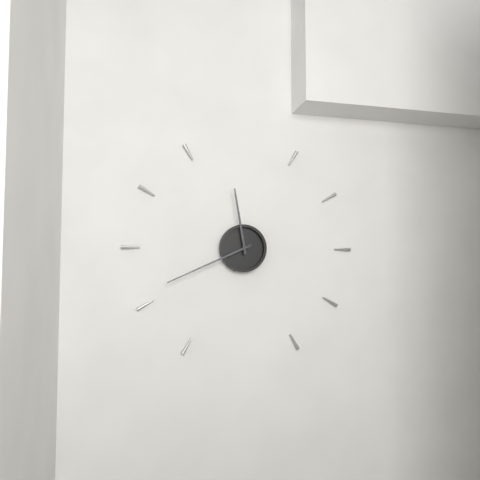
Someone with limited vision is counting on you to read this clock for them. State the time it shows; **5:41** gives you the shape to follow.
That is **11:41**
